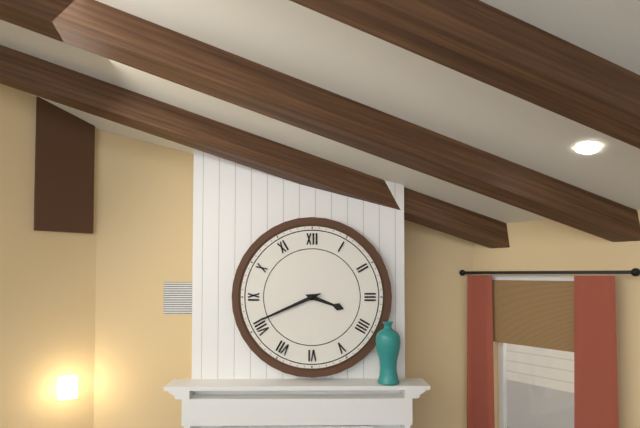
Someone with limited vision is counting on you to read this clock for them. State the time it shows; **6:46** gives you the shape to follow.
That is **3:41**
